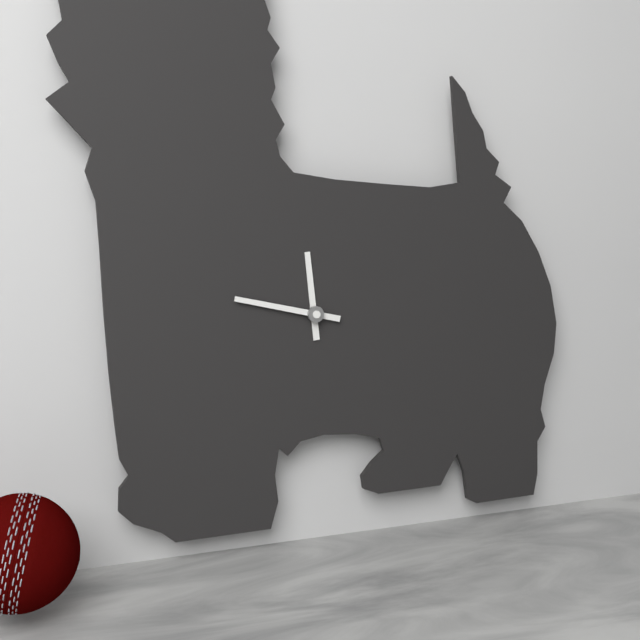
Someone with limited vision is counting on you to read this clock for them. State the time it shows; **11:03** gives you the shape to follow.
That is **11:47**
